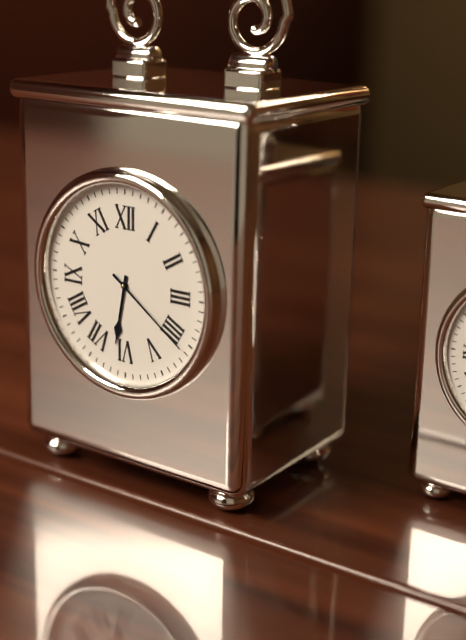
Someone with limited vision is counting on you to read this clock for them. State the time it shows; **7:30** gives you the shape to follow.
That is **6:21**
